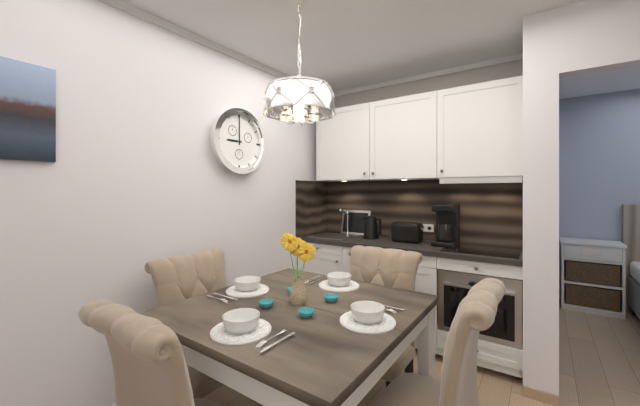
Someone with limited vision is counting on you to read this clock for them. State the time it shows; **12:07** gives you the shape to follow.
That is **9:00**
